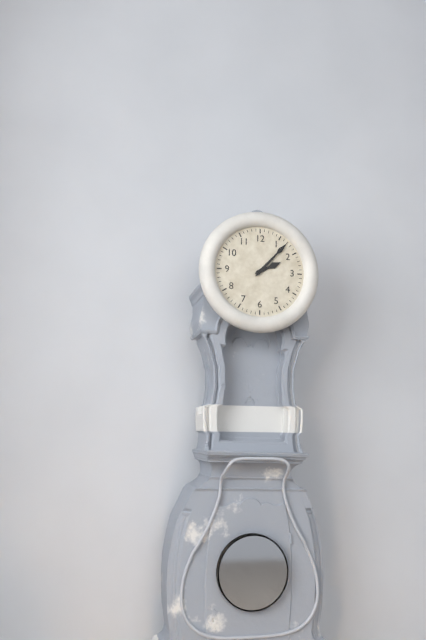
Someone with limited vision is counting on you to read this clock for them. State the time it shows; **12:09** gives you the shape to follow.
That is **2:07**
